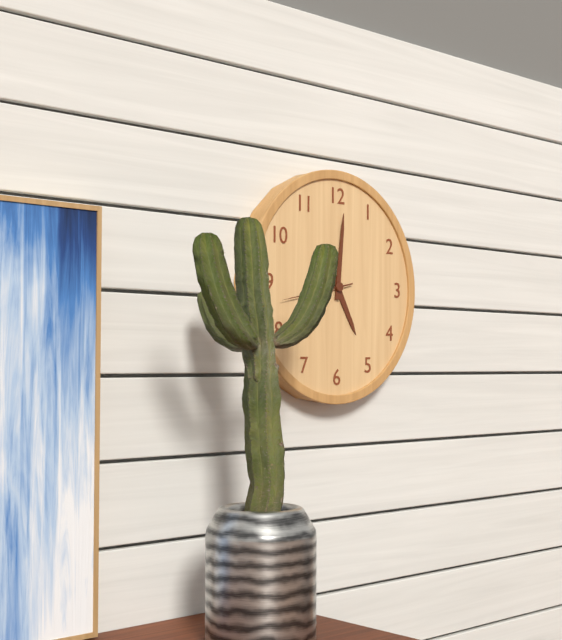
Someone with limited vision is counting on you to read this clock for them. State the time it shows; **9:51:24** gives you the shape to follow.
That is **5:01:43**
